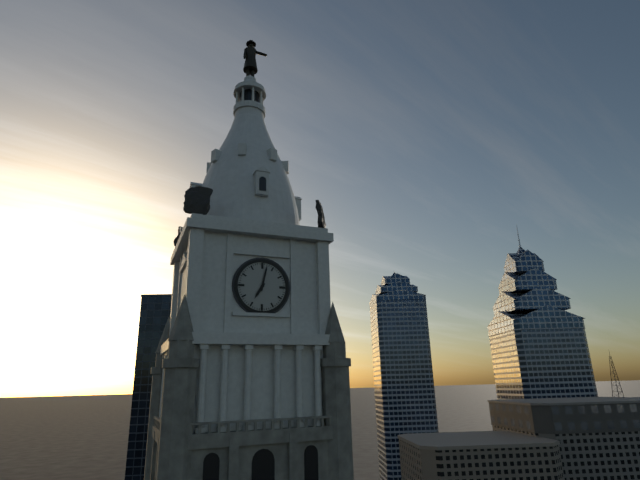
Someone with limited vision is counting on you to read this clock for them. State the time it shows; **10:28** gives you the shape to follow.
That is **7:02**
